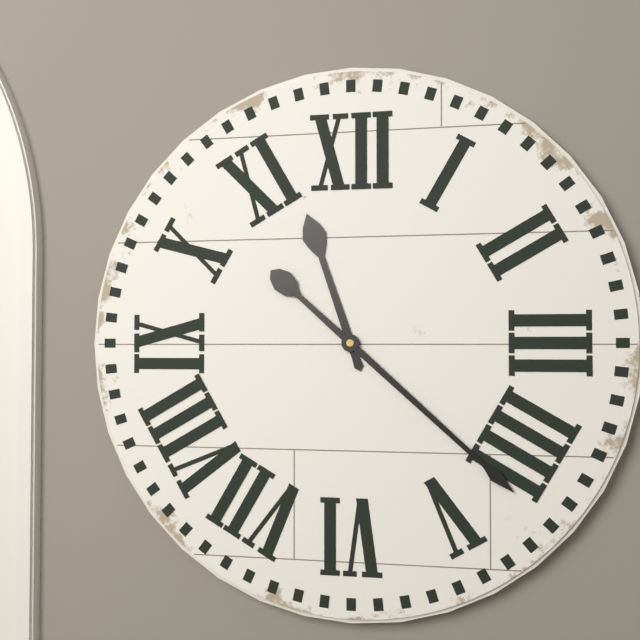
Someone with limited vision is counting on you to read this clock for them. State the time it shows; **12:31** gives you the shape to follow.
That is **11:22**
